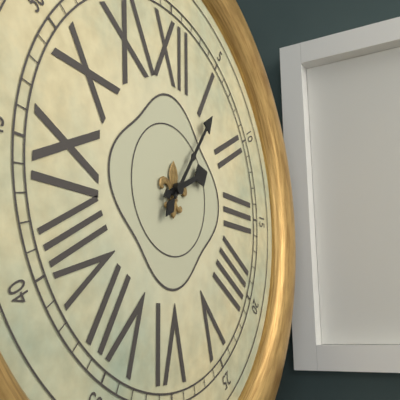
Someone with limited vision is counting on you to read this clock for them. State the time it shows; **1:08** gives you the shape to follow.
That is **2:06**
